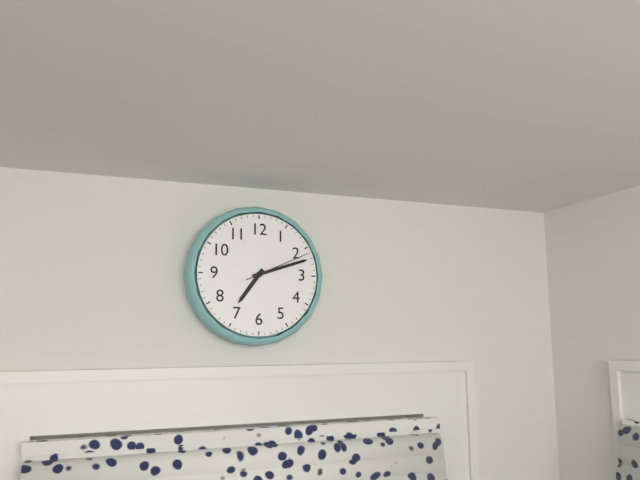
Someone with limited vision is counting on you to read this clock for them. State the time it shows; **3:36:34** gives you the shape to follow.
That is **7:12:11**
